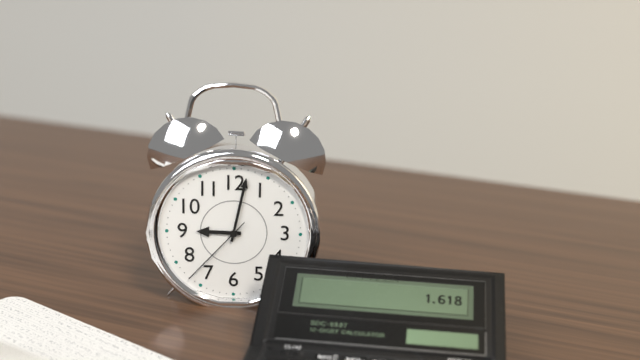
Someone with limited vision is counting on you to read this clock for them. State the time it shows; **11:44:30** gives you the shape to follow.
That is **9:02:37**
